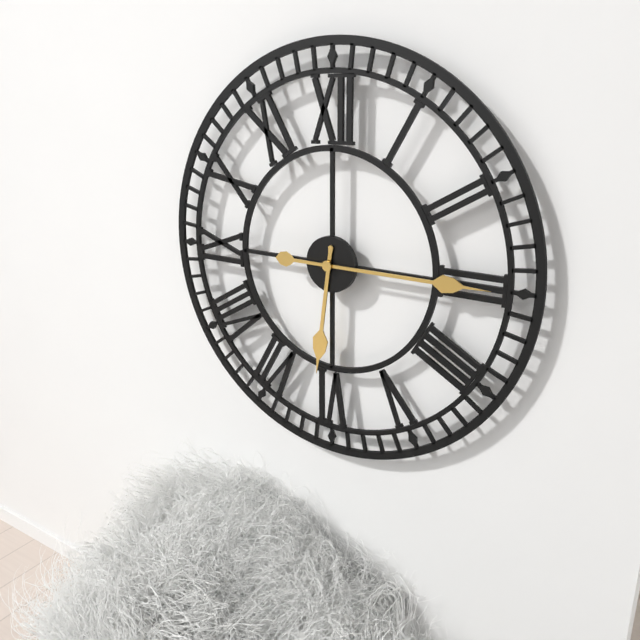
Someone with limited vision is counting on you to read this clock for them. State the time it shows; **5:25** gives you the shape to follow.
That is **6:15**
